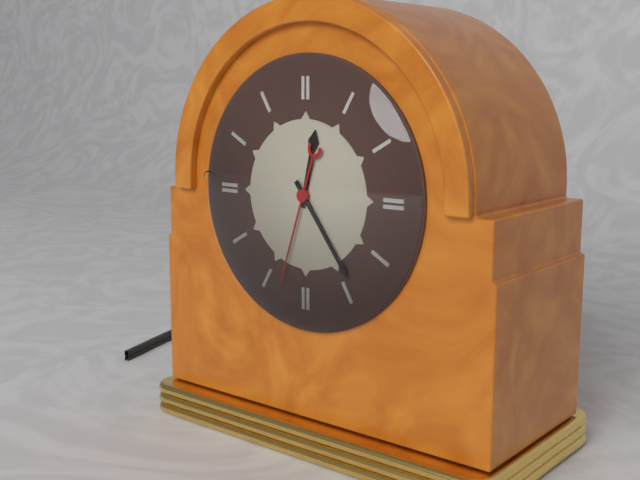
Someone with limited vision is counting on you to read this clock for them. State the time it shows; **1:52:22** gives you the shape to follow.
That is **12:24:33**
